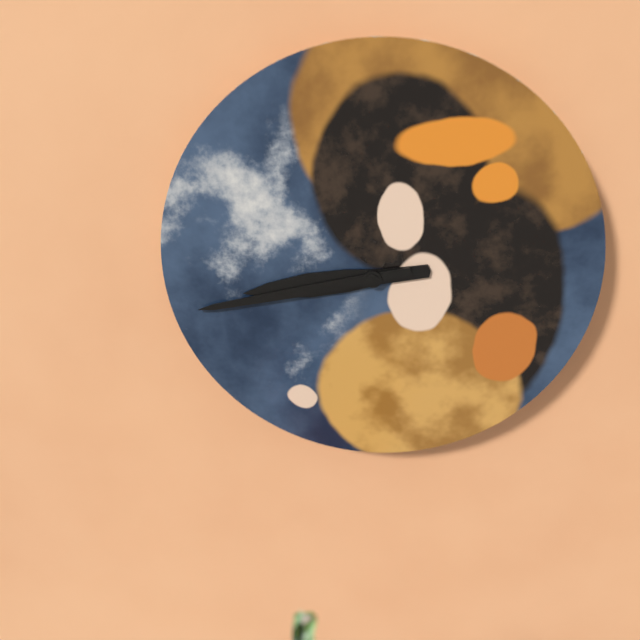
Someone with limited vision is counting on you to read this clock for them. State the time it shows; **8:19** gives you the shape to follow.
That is **8:43**
